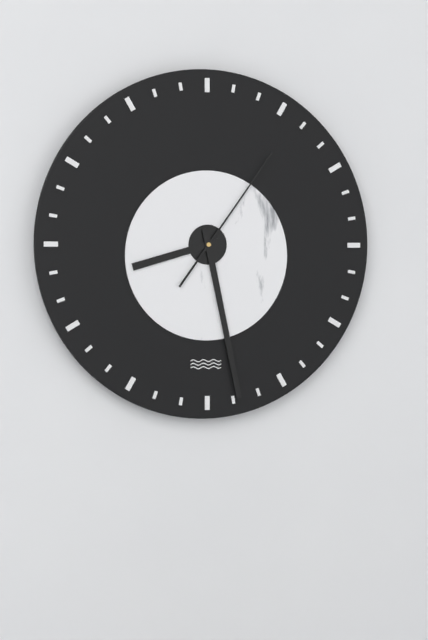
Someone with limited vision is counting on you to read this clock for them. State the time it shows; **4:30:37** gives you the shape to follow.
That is **8:28:06**
